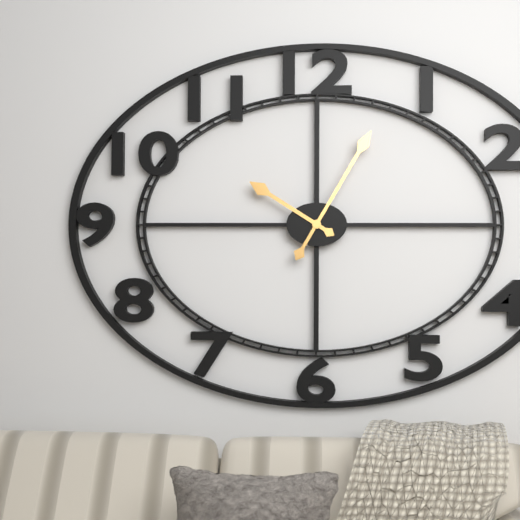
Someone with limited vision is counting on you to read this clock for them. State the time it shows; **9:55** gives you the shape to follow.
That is **10:05**
